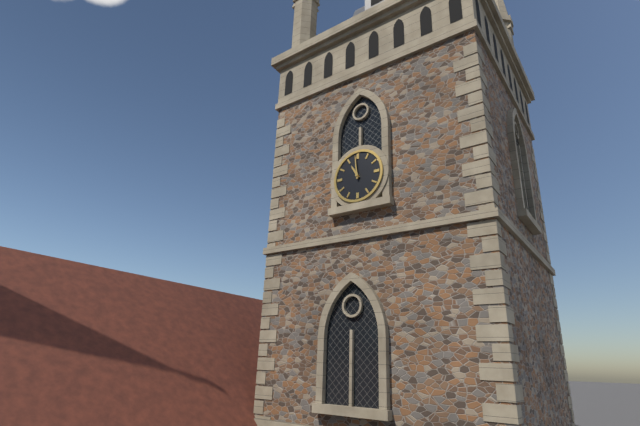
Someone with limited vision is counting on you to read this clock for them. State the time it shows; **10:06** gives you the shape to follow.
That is **10:59**
